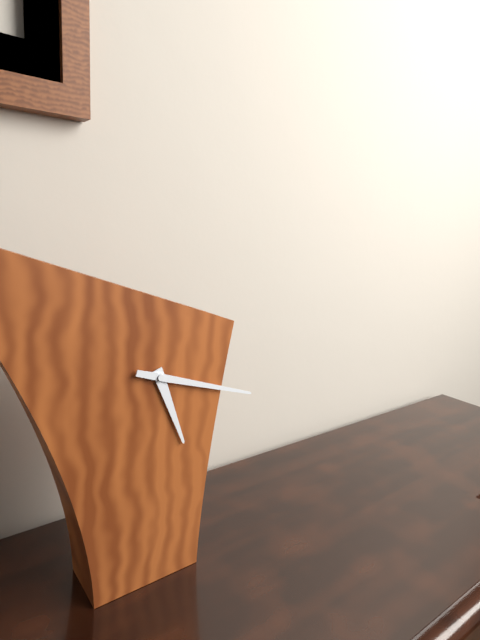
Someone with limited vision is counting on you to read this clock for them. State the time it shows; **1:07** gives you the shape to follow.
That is **5:18**
